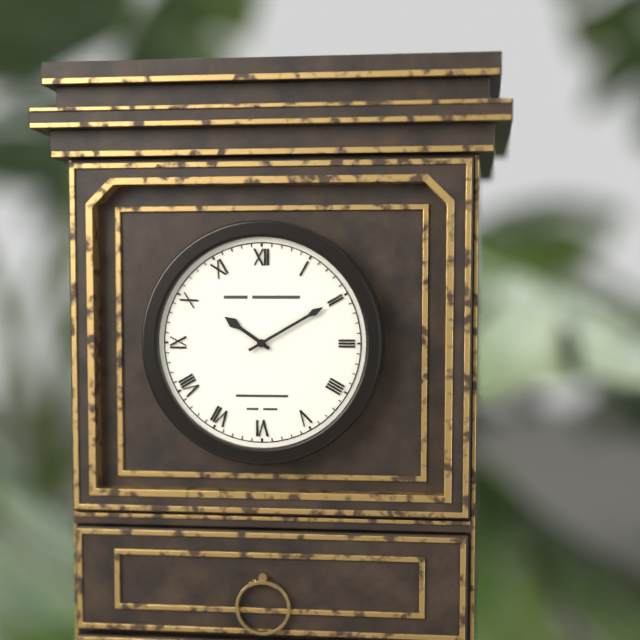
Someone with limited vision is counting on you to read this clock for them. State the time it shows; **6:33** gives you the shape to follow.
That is **10:10**
